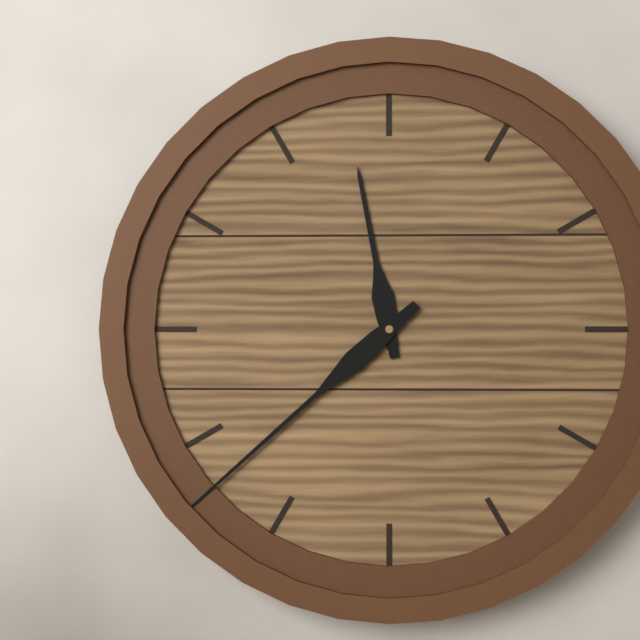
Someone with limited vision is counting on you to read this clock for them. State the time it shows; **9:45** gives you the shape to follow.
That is **11:38**
